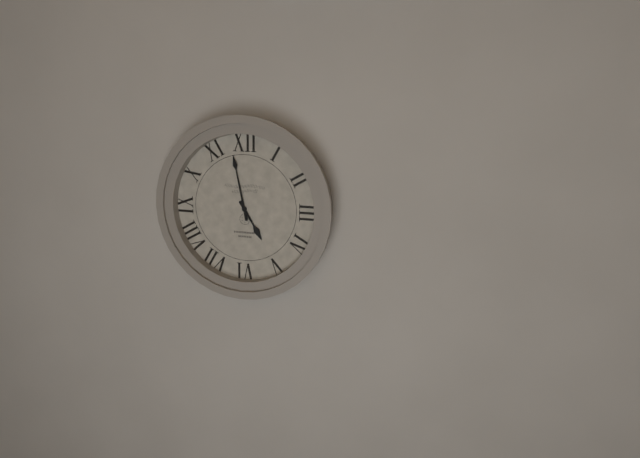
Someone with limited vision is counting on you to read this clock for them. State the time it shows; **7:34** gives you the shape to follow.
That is **4:58**
